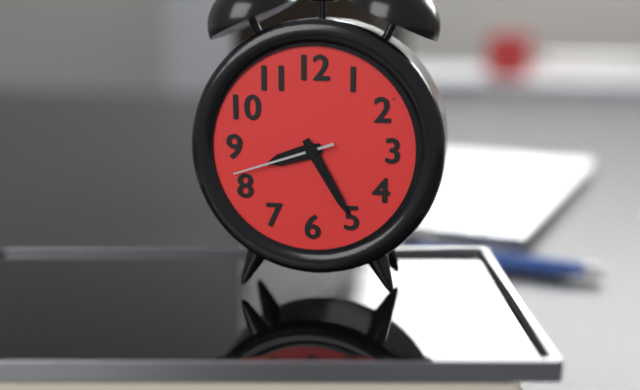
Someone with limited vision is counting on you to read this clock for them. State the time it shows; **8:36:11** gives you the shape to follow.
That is **8:25:42**
